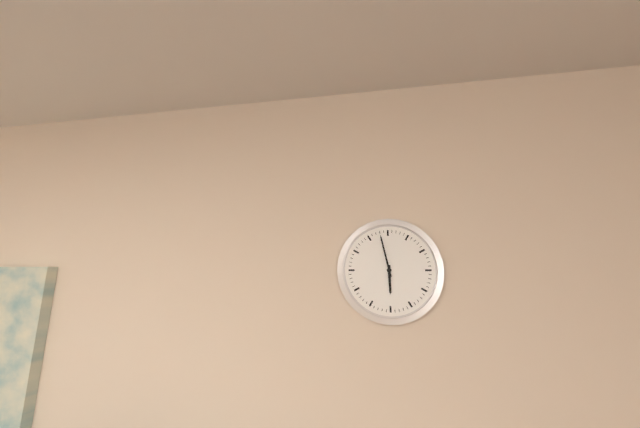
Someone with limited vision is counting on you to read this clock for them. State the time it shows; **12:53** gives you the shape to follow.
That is **5:58**
